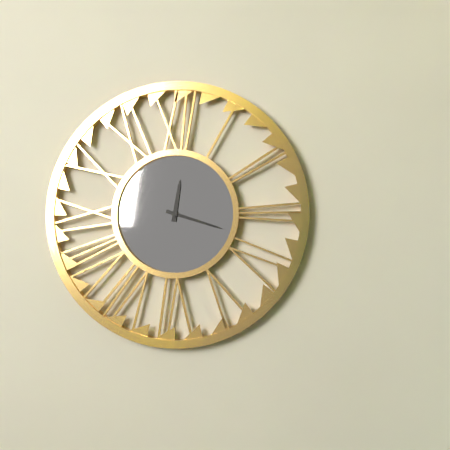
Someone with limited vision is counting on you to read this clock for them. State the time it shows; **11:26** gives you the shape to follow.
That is **12:18**
